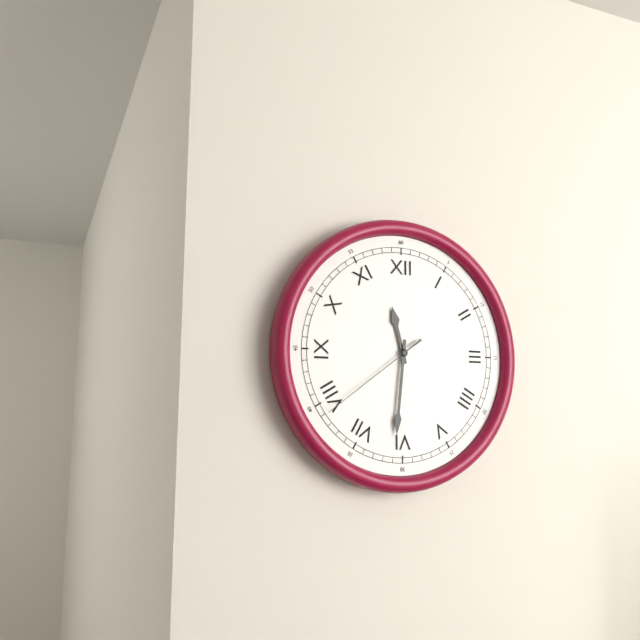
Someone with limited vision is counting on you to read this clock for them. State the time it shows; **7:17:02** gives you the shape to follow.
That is **11:31:39**
